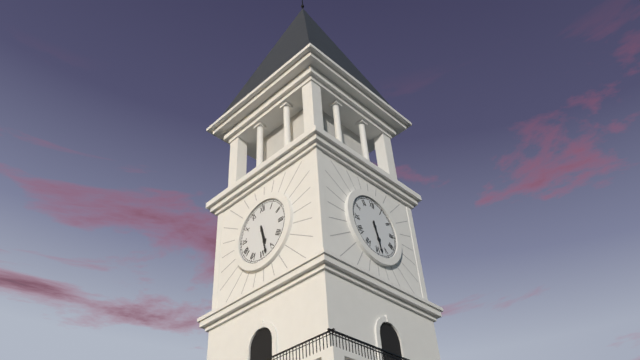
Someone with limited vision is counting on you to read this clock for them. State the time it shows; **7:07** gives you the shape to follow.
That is **5:28**
